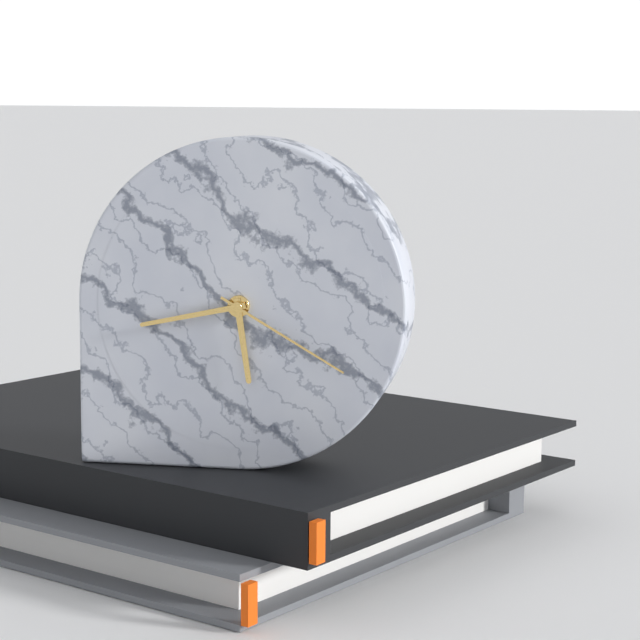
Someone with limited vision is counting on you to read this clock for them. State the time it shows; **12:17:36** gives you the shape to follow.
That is **5:43:20**
